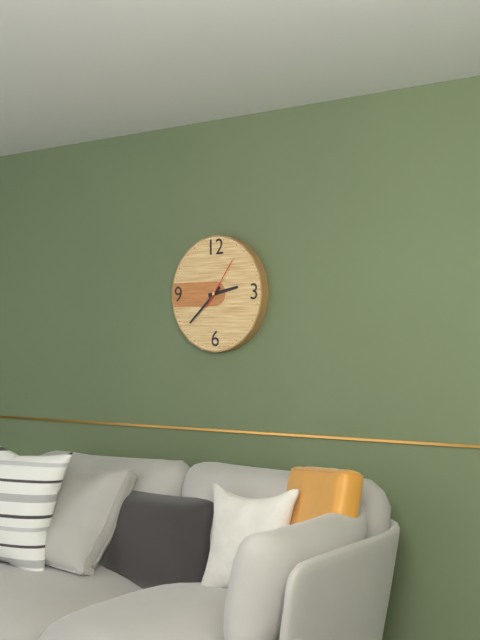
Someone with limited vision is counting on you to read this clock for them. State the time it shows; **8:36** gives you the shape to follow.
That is **2:38**
